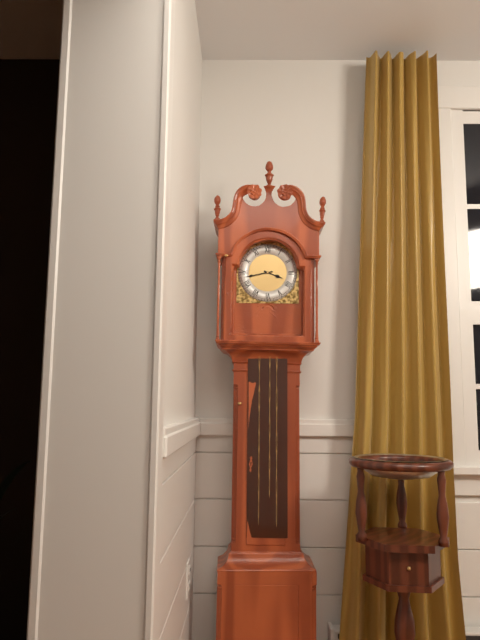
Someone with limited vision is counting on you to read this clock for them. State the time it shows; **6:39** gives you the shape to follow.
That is **3:43**
